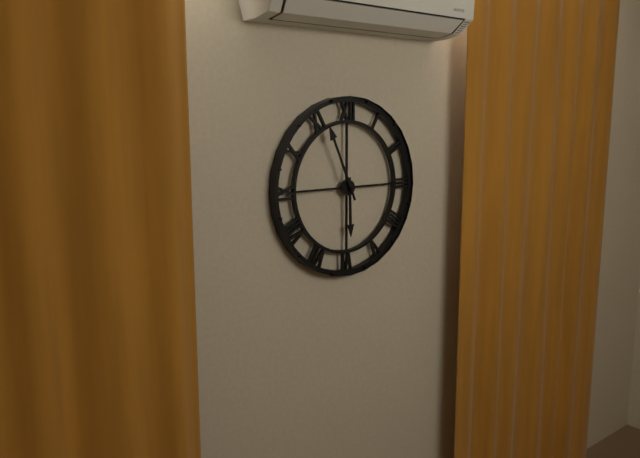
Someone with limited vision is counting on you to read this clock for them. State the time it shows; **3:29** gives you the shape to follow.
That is **5:56**
